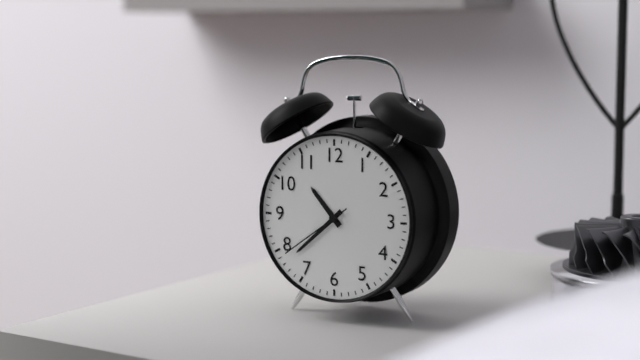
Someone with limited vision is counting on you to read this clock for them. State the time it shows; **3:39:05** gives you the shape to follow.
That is **10:38:39**
